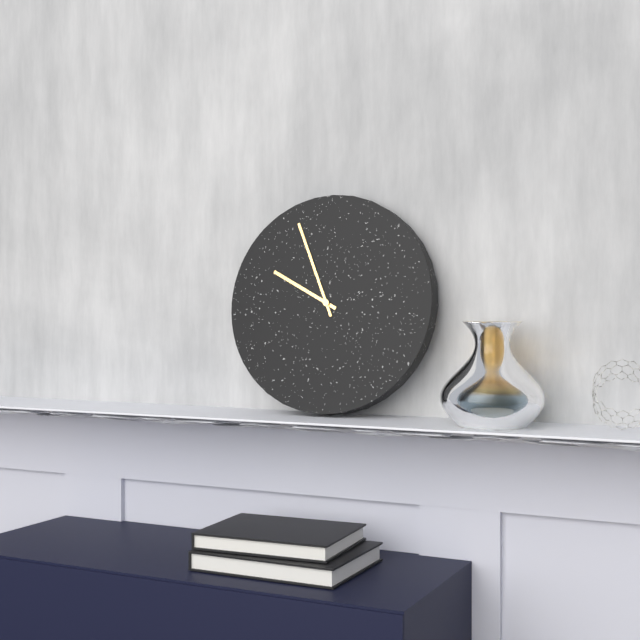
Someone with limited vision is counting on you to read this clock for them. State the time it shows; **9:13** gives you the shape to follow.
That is **9:56**
